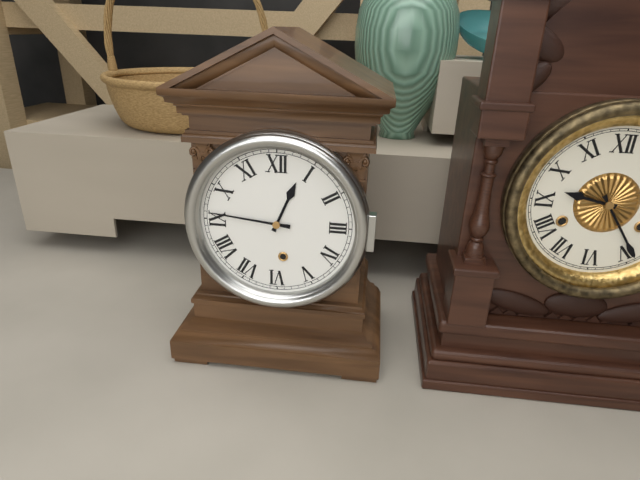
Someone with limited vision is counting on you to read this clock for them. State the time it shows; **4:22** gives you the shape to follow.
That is **12:46**
